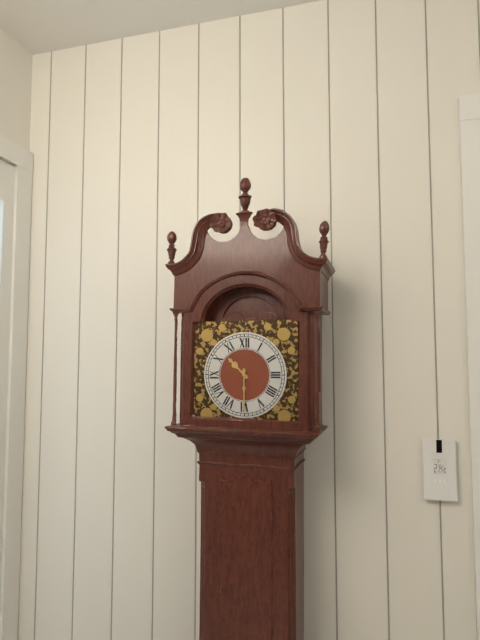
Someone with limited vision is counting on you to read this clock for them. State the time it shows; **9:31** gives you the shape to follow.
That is **10:30**
